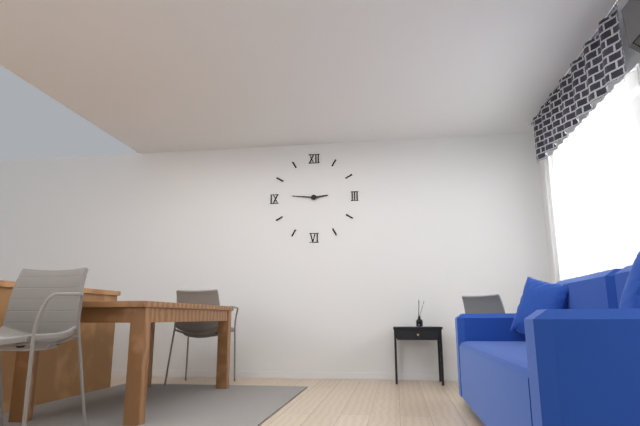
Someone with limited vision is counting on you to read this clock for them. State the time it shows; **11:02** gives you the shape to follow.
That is **2:46**
